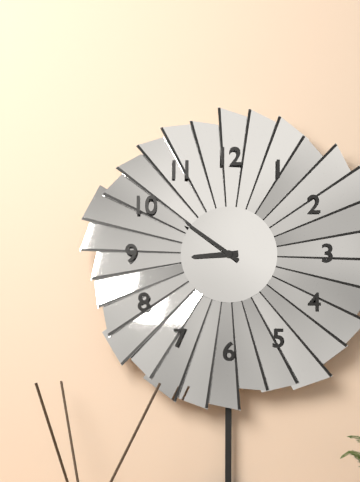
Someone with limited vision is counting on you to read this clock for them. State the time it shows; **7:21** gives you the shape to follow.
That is **8:51**
